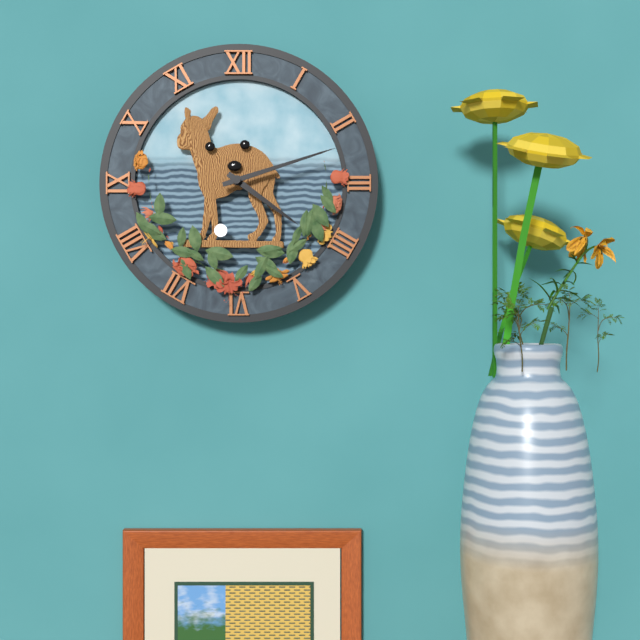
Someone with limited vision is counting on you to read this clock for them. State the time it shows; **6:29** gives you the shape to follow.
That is **4:12**
